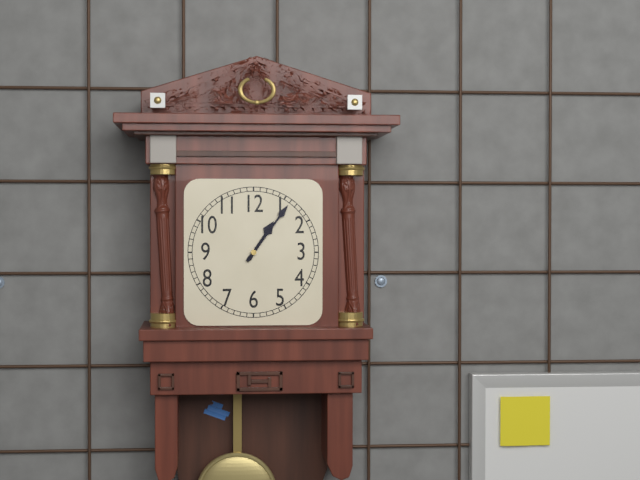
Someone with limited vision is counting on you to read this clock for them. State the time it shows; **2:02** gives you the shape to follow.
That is **1:06**
